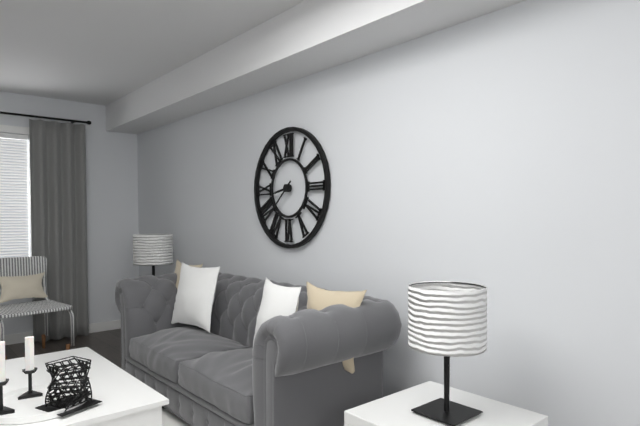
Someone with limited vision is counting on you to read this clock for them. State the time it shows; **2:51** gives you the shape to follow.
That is **8:38**
